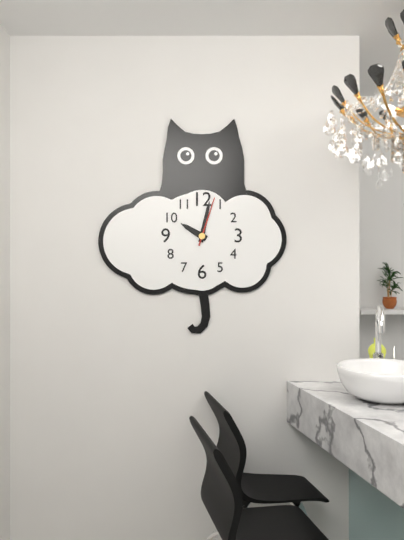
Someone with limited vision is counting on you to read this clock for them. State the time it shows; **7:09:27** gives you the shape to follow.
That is **10:02:03**
